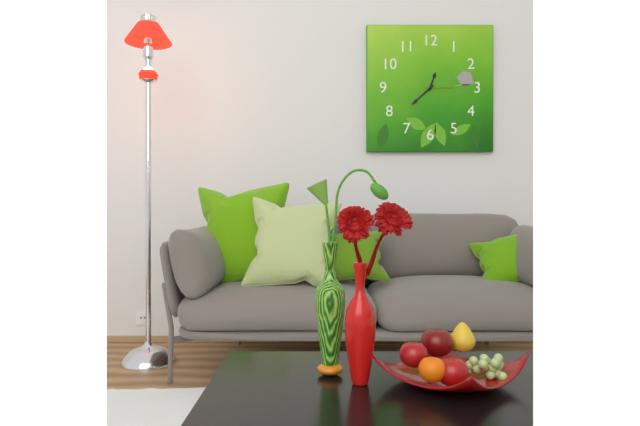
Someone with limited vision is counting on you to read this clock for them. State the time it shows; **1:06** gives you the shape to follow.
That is **12:38**
